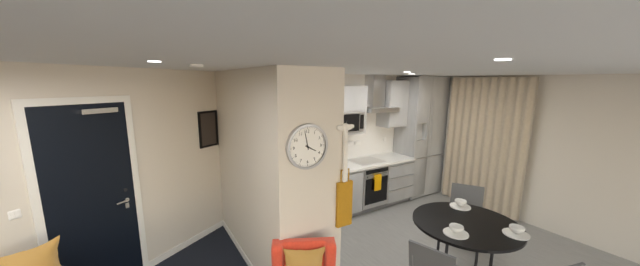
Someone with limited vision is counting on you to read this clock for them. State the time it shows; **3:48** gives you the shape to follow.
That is **3:58**
